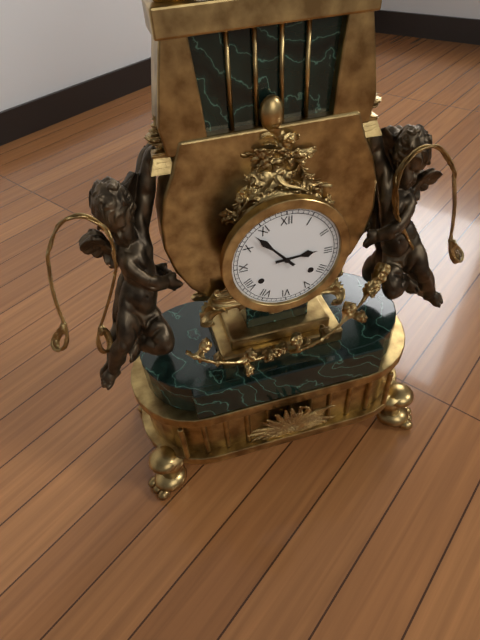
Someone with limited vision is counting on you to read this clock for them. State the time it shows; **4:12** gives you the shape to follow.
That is **2:53**
